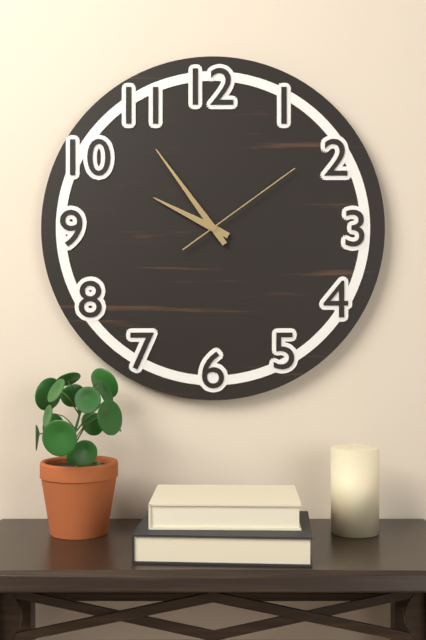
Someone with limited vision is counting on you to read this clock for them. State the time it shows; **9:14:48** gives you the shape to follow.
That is **9:54:09**
